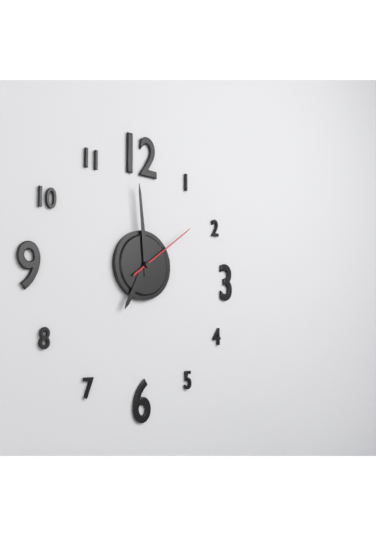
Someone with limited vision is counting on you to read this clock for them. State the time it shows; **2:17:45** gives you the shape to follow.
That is **6:59:09**
